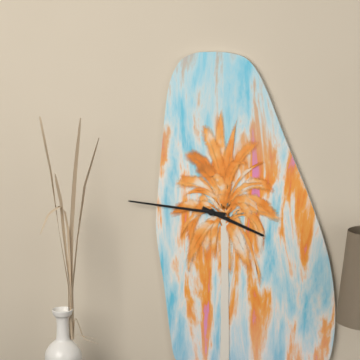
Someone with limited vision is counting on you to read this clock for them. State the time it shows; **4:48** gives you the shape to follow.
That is **3:46**
